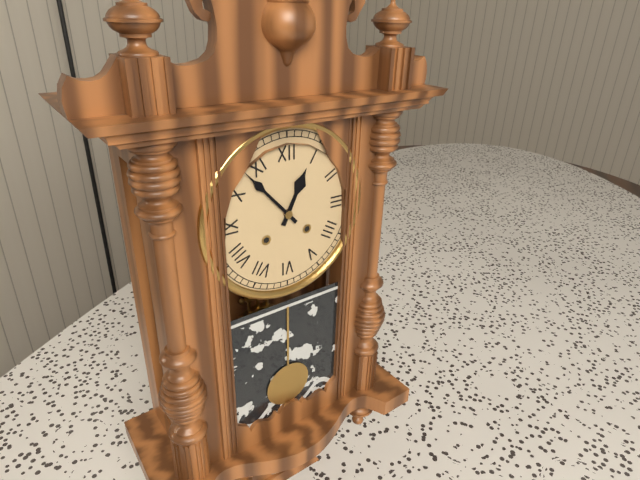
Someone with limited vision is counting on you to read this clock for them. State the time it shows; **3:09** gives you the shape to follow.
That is **12:53**
